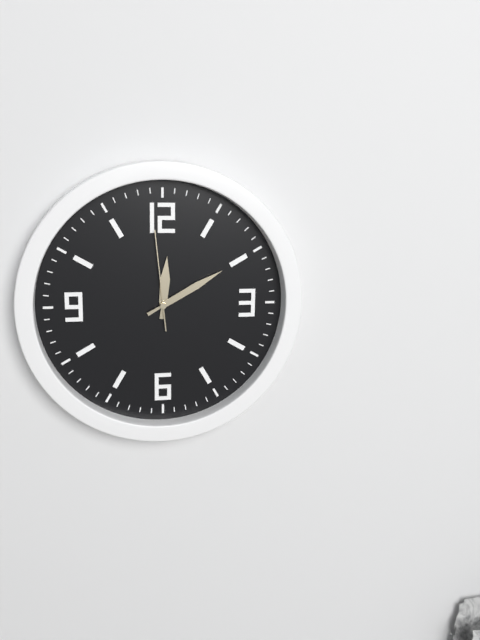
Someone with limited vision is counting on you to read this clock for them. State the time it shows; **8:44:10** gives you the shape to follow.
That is **12:10:59**
